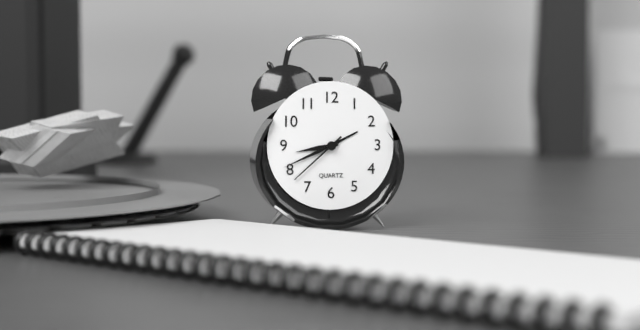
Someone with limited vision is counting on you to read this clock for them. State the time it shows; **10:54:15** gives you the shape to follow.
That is **8:41:38**
